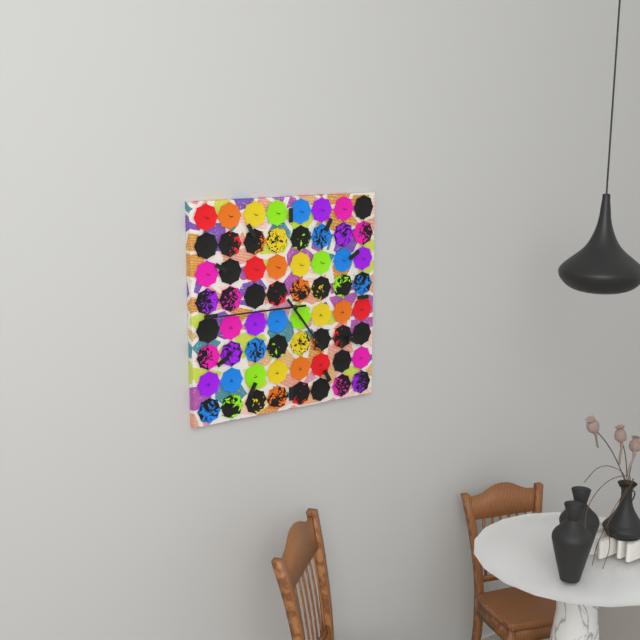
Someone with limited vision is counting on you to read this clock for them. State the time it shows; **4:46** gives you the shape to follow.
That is **4:45**
